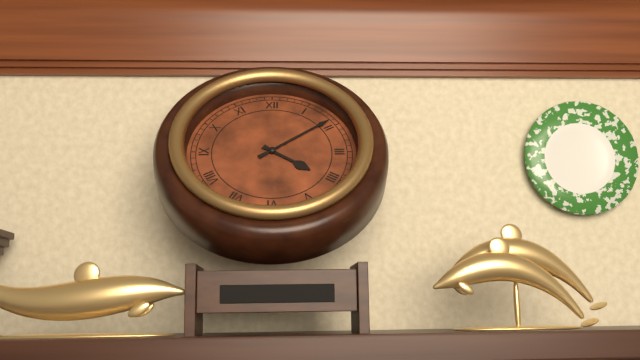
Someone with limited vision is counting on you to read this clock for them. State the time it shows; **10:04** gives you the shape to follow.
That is **4:09**
